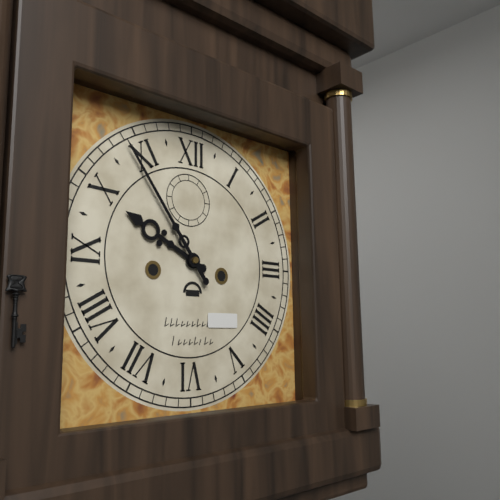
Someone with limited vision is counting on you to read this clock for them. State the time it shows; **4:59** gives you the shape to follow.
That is **9:54**
